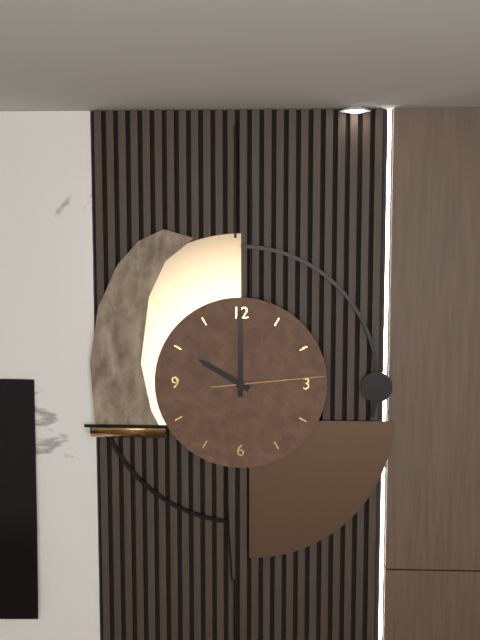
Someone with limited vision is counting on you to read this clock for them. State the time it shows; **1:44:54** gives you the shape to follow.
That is **10:00:14**
